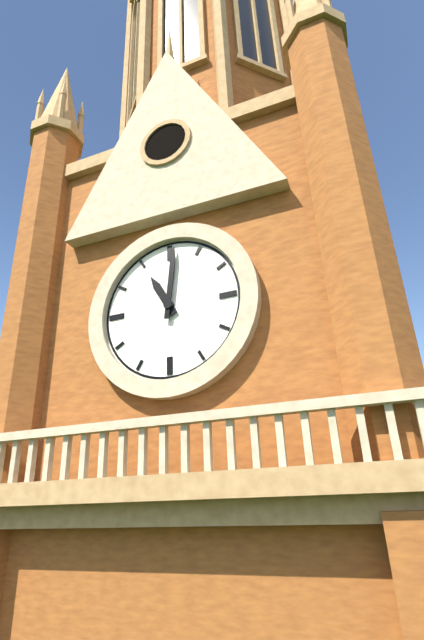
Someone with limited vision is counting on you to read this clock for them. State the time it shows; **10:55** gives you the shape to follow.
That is **11:01**
